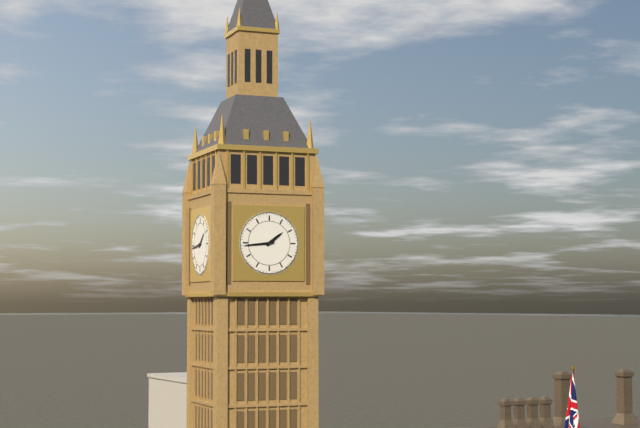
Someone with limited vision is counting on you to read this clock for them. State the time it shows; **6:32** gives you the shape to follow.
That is **1:44**
